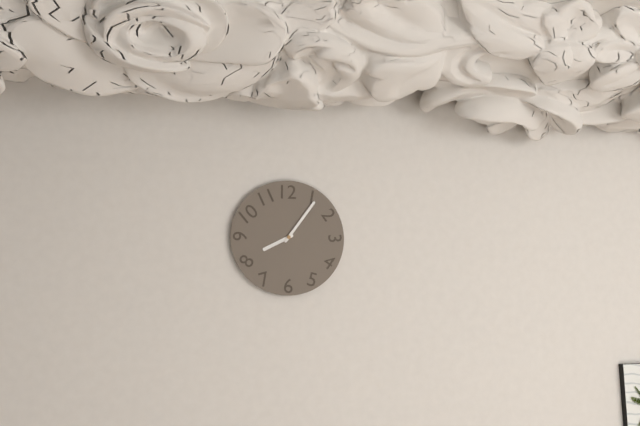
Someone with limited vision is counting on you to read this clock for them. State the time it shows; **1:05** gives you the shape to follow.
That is **8:06**
